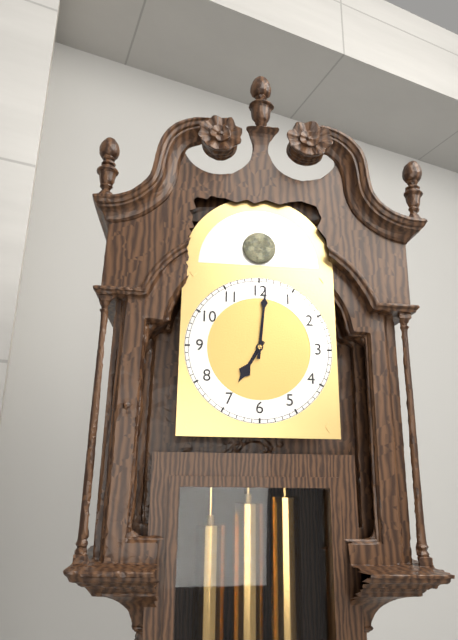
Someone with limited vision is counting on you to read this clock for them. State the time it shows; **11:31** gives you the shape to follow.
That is **7:01**
